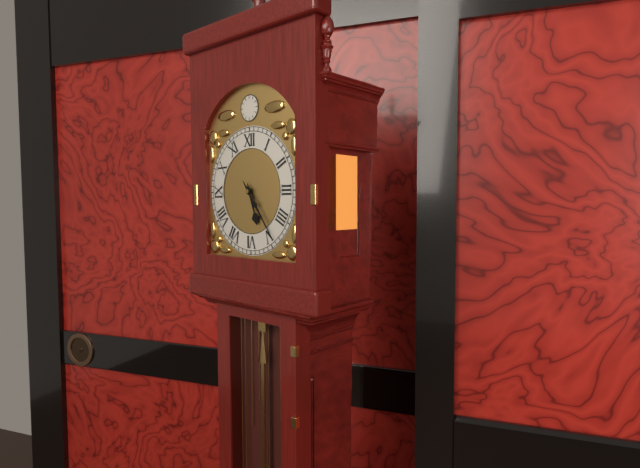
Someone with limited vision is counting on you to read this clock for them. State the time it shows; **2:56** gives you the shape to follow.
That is **5:24**
